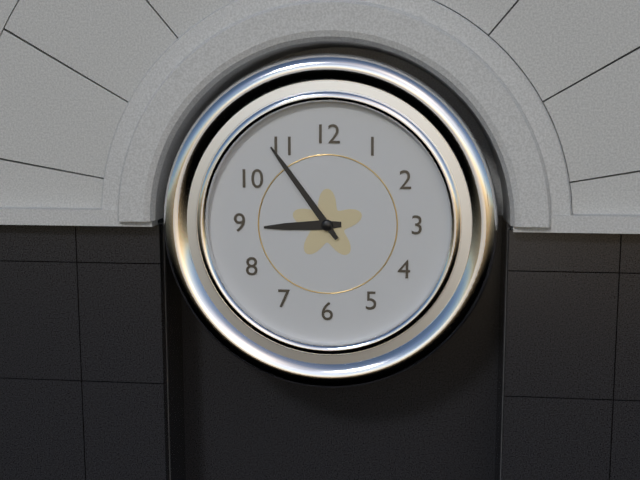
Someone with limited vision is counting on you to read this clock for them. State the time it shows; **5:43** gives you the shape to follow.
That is **8:54**
